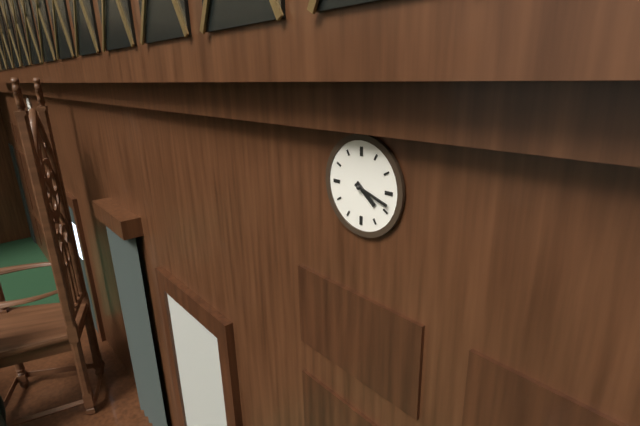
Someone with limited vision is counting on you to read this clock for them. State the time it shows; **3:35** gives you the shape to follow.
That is **4:18**
